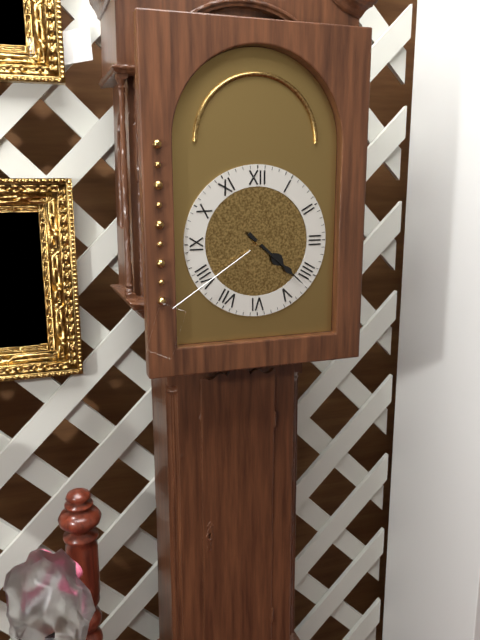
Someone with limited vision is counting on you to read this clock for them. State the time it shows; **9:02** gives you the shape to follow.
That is **4:22**
